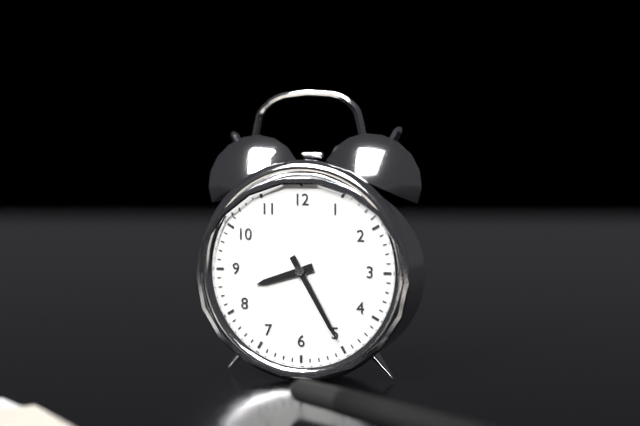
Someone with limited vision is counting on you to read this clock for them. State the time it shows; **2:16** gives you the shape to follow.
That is **8:25**
